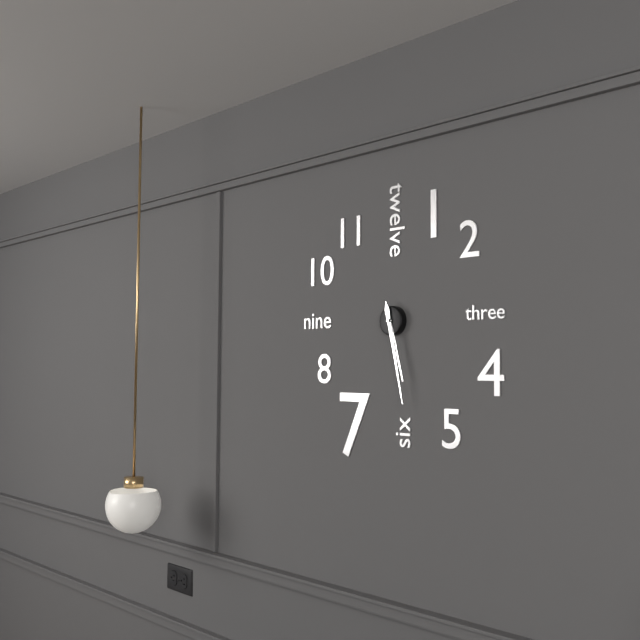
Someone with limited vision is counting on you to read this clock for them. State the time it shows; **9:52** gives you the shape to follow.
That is **5:28**
